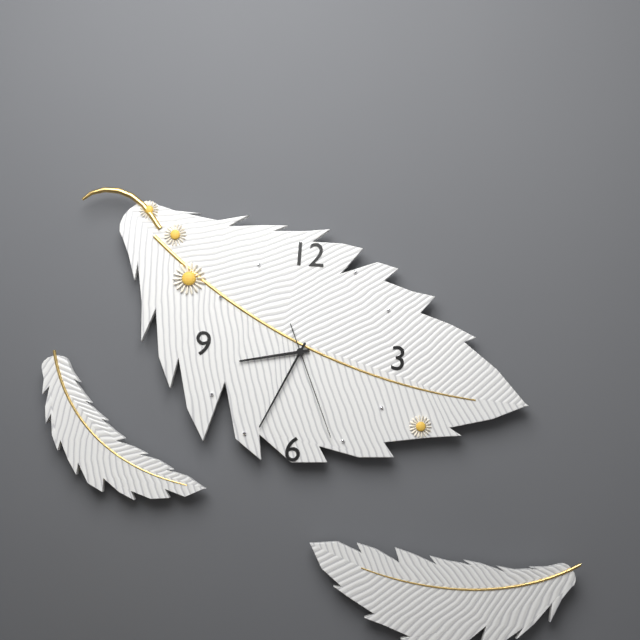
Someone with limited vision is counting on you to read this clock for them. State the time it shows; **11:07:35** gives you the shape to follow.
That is **8:34:26**
